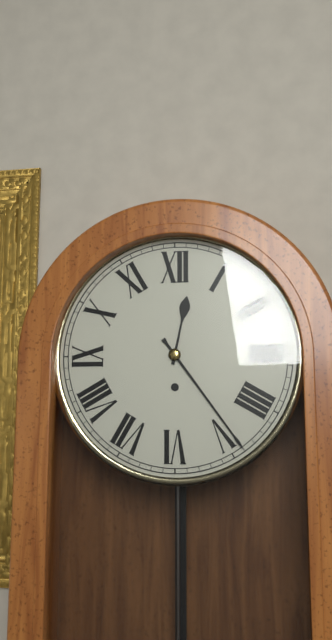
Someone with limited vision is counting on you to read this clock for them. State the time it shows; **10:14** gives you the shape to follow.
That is **12:24**
